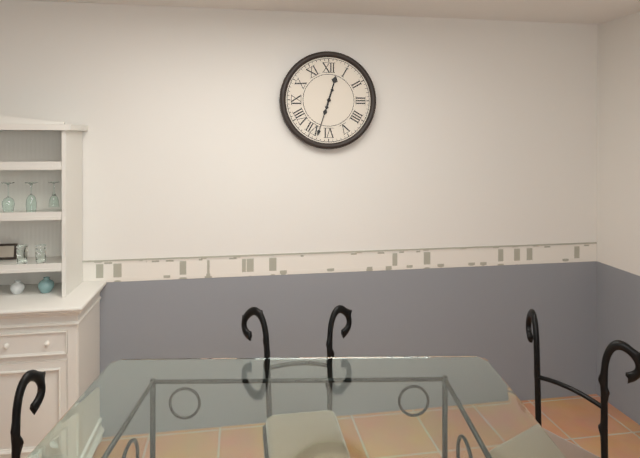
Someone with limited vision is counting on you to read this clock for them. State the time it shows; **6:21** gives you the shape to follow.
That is **12:33**
